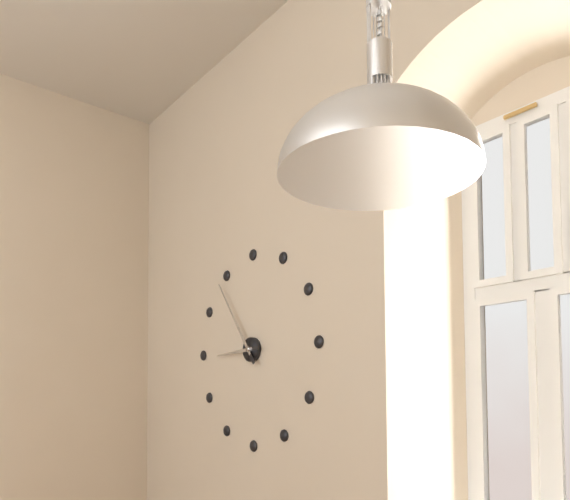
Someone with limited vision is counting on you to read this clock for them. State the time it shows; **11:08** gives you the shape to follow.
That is **8:54**
